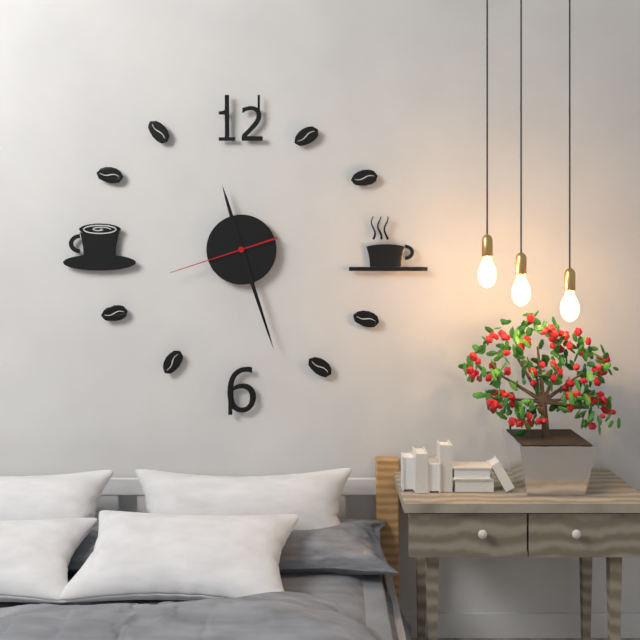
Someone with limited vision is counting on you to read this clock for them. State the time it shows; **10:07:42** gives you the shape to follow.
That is **11:27:42**
